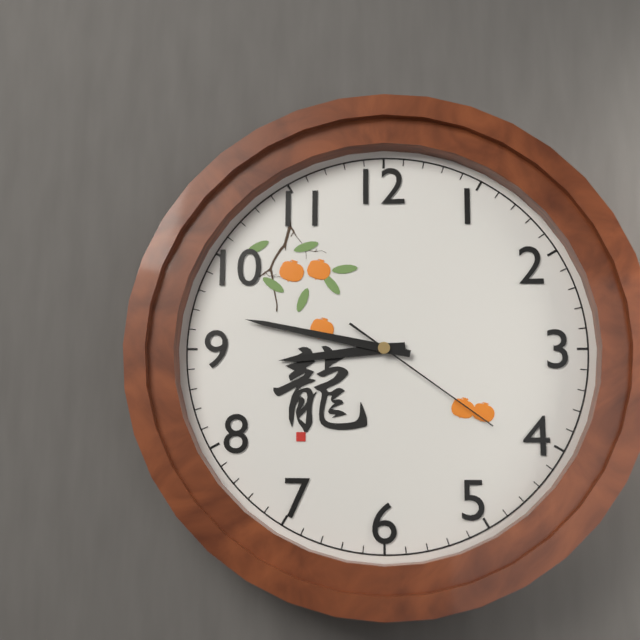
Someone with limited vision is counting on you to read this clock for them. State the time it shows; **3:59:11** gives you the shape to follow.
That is **8:47:21**
